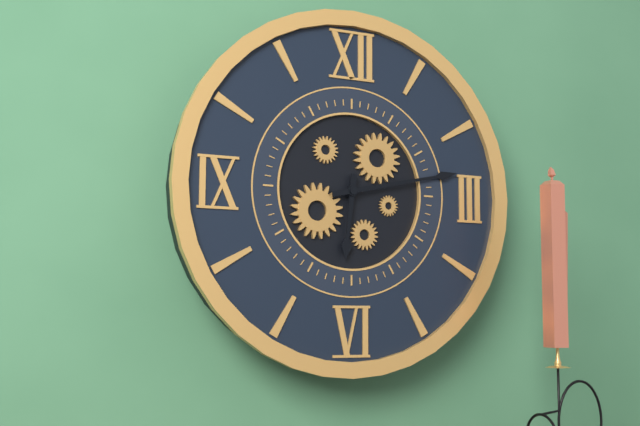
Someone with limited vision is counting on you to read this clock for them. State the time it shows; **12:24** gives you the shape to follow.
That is **6:13**
